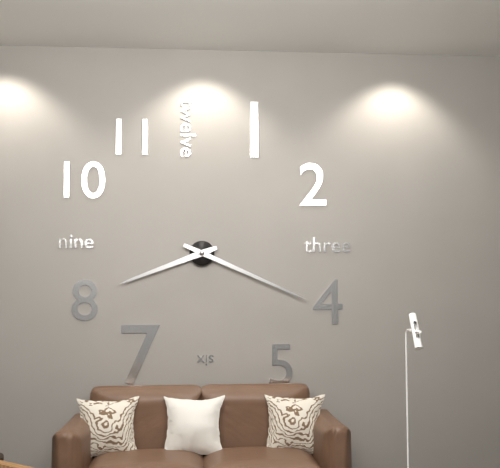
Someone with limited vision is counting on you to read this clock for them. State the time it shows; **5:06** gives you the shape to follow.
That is **8:19**
